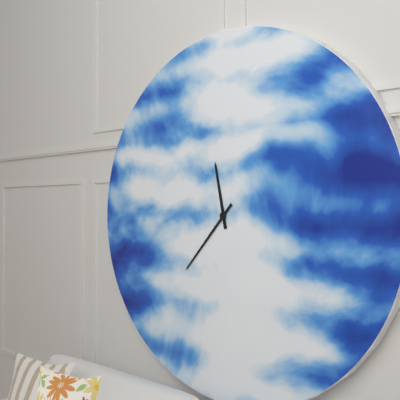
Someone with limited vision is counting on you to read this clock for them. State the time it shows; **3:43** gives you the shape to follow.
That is **11:37**
